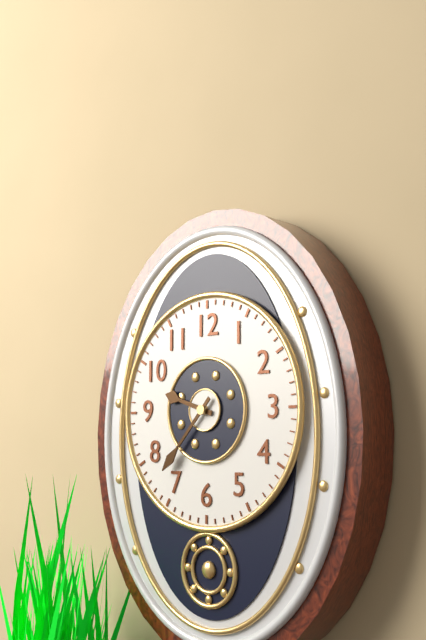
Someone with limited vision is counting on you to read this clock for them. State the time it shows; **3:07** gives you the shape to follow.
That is **9:37**
